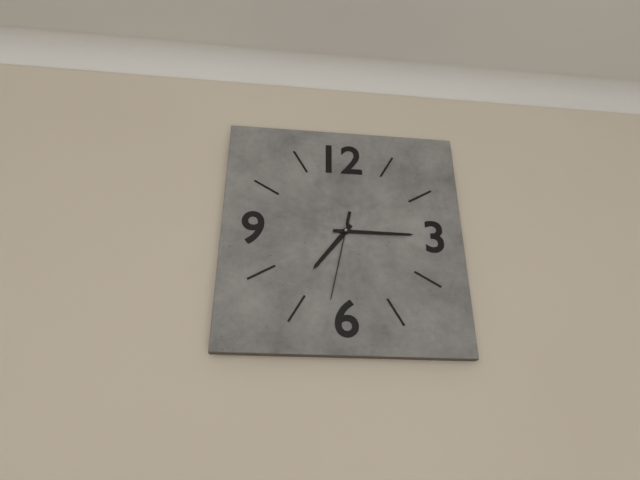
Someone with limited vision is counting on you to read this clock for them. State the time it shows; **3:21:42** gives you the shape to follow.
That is **7:15:32**
